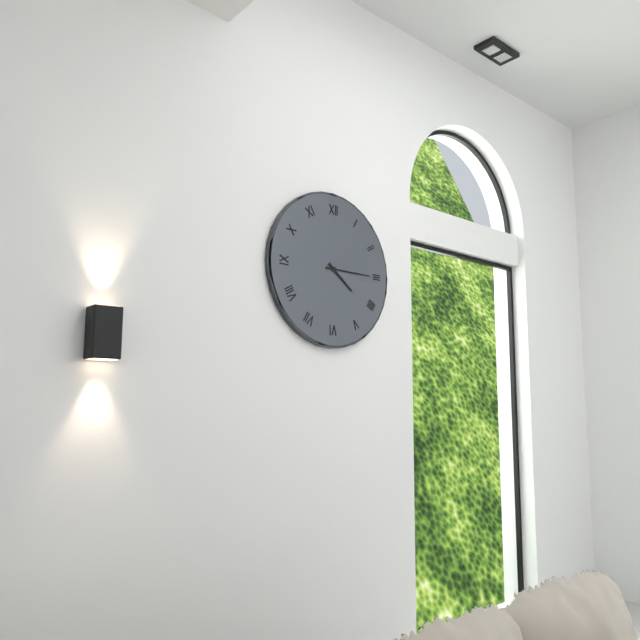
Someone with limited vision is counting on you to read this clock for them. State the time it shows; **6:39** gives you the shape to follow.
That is **4:15**
